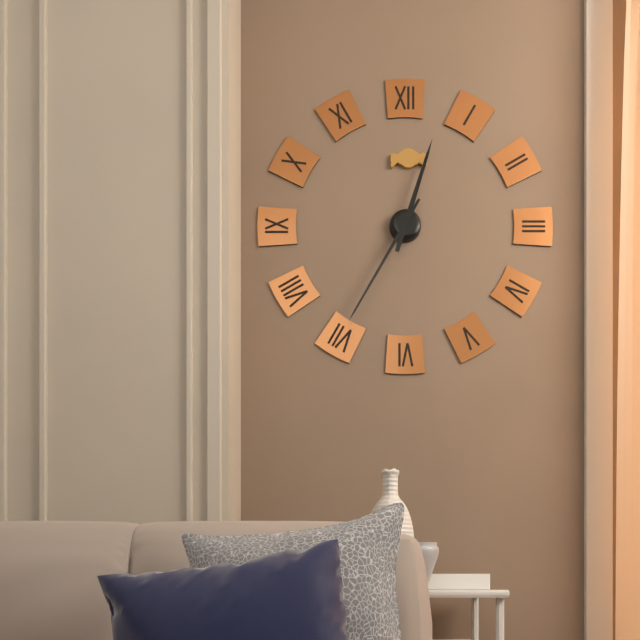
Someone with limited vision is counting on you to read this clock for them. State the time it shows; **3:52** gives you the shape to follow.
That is **12:35**
